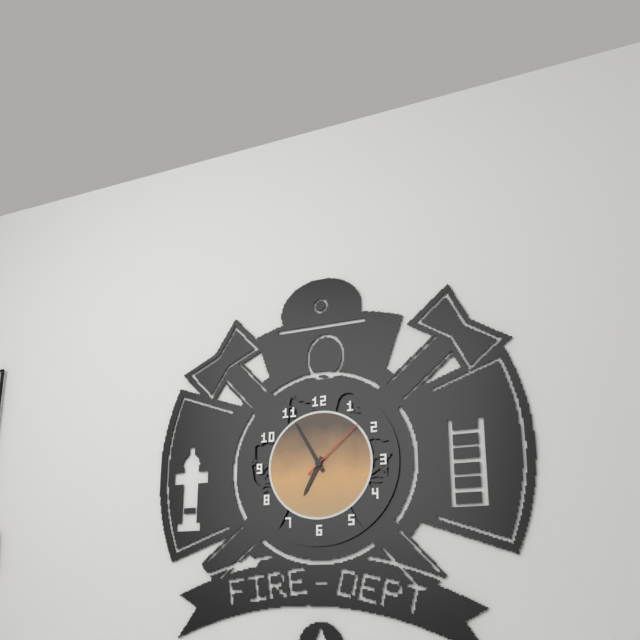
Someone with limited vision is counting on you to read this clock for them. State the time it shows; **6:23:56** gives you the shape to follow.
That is **6:55:08**
